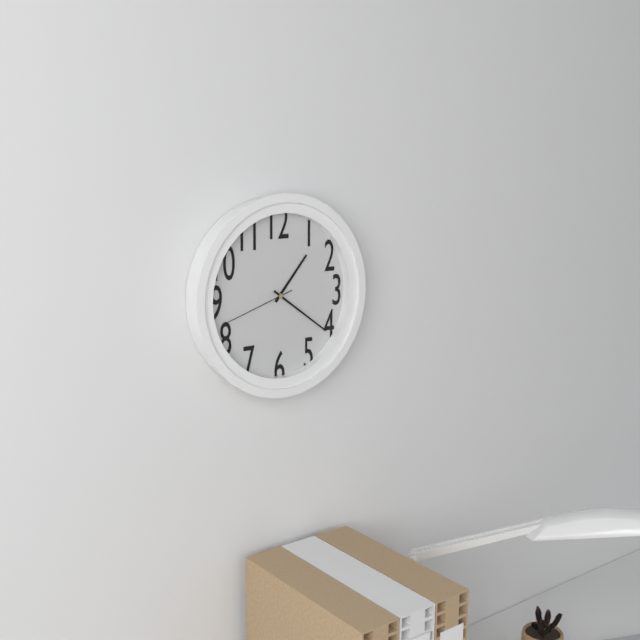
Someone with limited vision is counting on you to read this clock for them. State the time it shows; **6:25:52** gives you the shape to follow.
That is **1:21:42**
